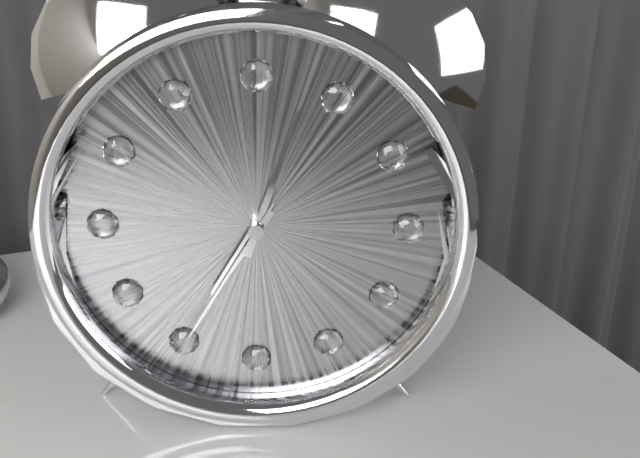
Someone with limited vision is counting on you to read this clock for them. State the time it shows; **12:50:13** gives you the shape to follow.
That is **7:03:35**
